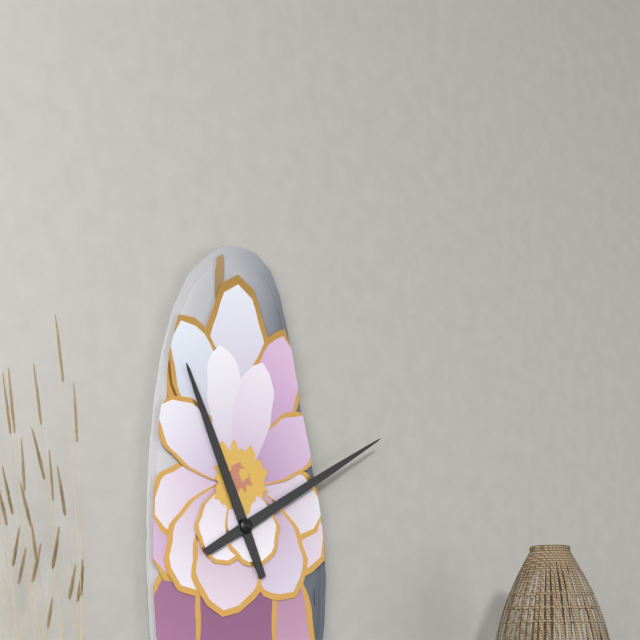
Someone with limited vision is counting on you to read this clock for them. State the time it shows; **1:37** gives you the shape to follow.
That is **11:10**
